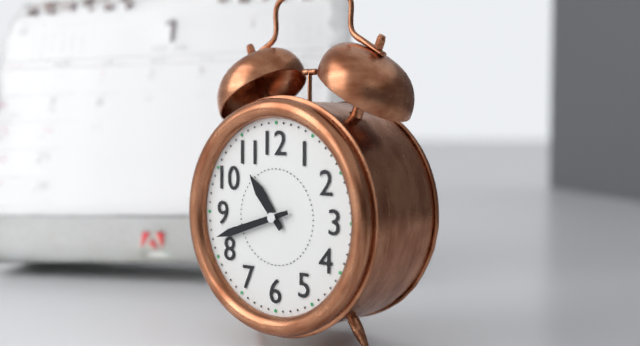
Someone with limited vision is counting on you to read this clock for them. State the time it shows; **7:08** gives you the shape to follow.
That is **10:42**
